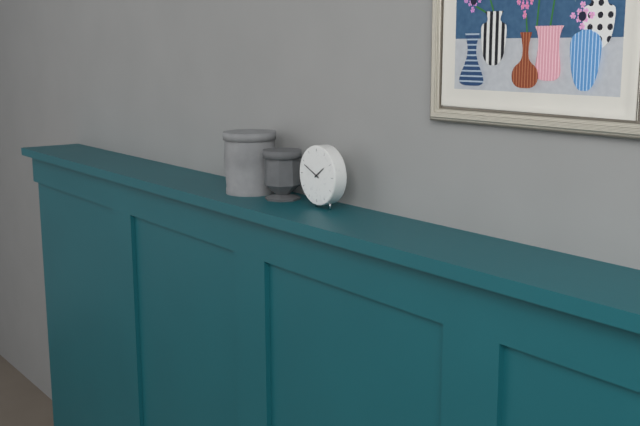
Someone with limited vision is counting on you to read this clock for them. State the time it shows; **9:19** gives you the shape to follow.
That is **1:49**
